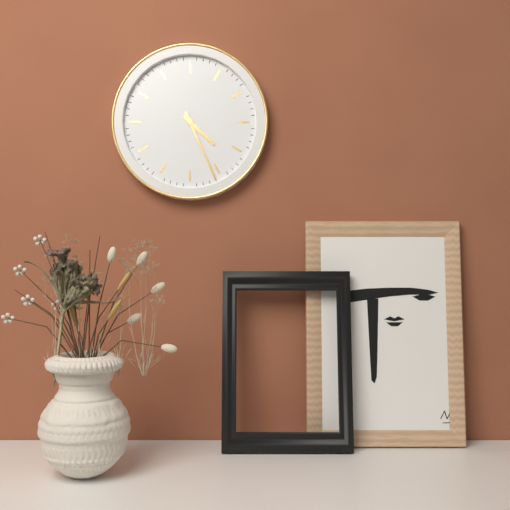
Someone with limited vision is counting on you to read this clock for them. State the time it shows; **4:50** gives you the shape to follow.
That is **4:26**
